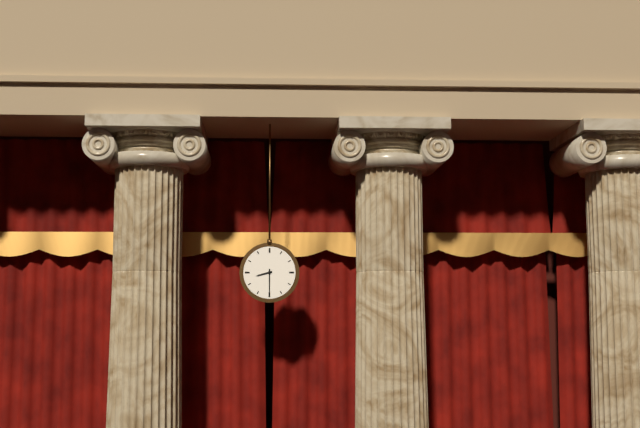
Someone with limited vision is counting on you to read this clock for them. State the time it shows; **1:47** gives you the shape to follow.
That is **8:30**
